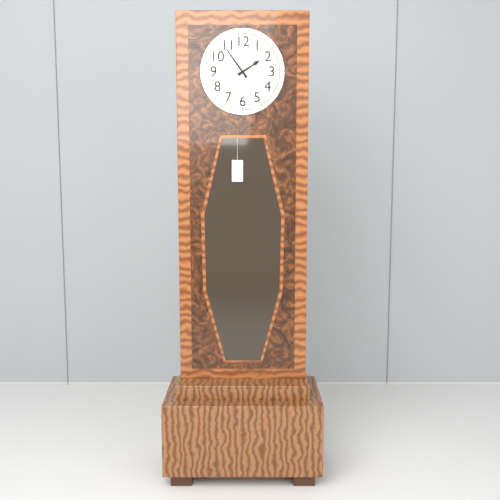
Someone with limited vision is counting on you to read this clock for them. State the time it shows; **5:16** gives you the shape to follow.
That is **1:54**
